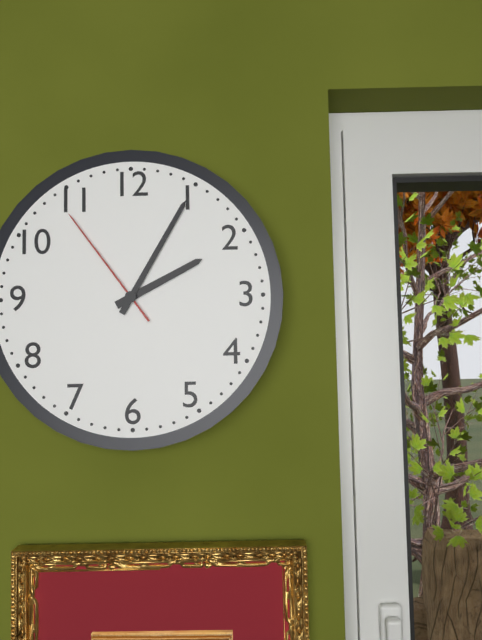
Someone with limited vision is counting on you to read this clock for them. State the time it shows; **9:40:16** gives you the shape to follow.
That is **2:05:54**
